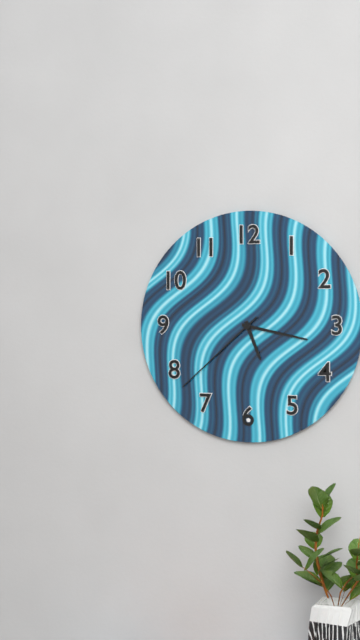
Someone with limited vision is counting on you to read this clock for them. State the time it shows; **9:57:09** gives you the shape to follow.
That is **5:17:38**
